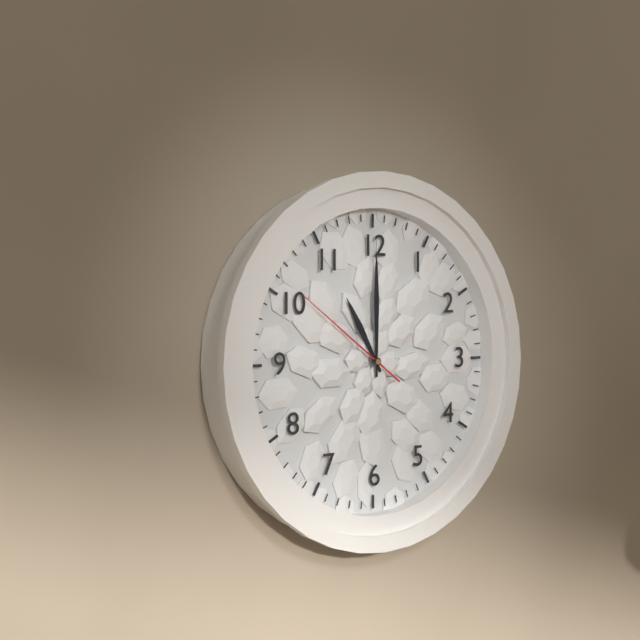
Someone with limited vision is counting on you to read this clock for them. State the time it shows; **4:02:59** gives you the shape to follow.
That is **11:00:51**
